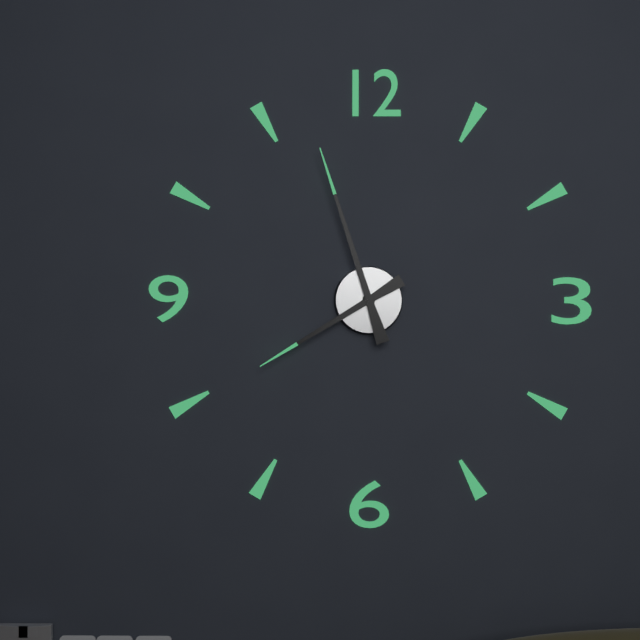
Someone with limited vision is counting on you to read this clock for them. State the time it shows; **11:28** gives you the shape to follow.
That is **7:57**
